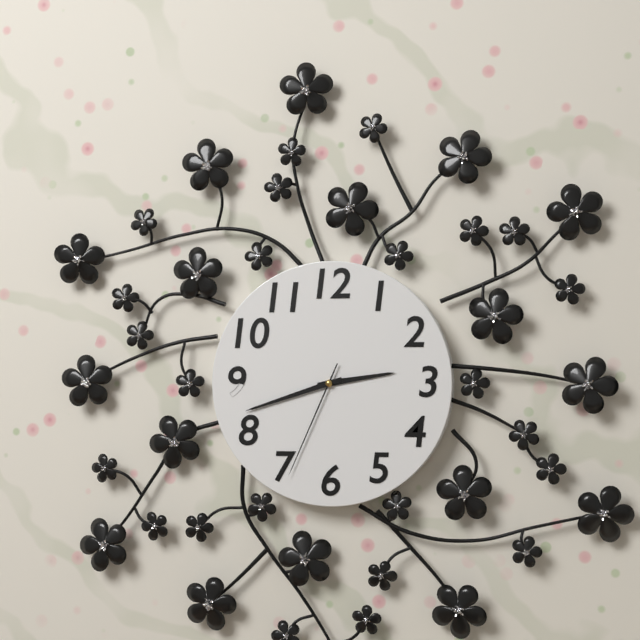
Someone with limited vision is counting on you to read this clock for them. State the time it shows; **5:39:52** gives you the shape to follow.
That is **2:42:34**
